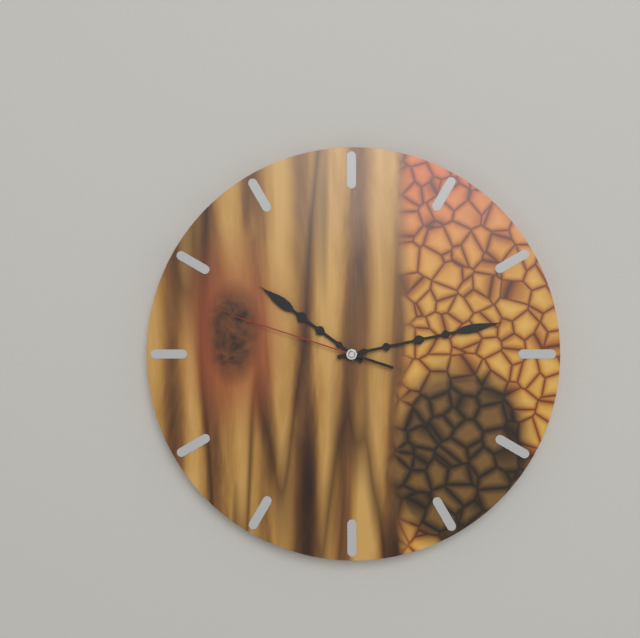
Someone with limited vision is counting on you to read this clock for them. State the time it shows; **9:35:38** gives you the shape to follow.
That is **10:13:48**
